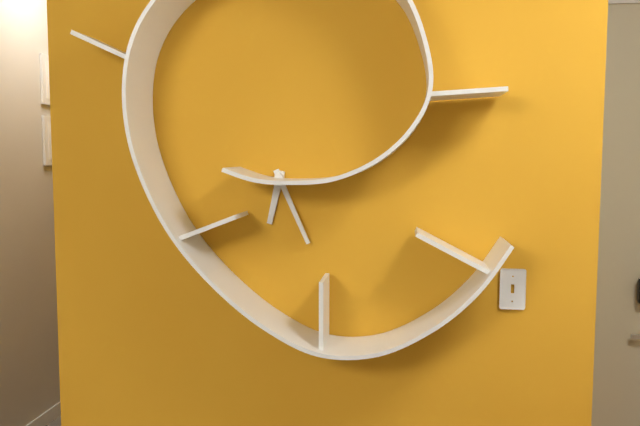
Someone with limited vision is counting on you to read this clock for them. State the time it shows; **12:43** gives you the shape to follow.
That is **6:26**
